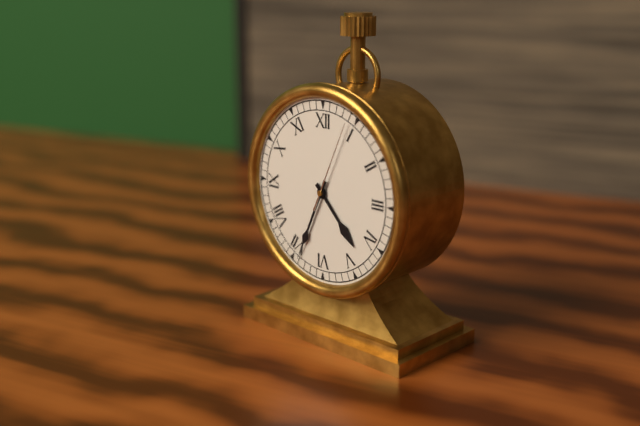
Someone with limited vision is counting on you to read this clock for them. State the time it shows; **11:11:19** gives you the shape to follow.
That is **4:34:04**
